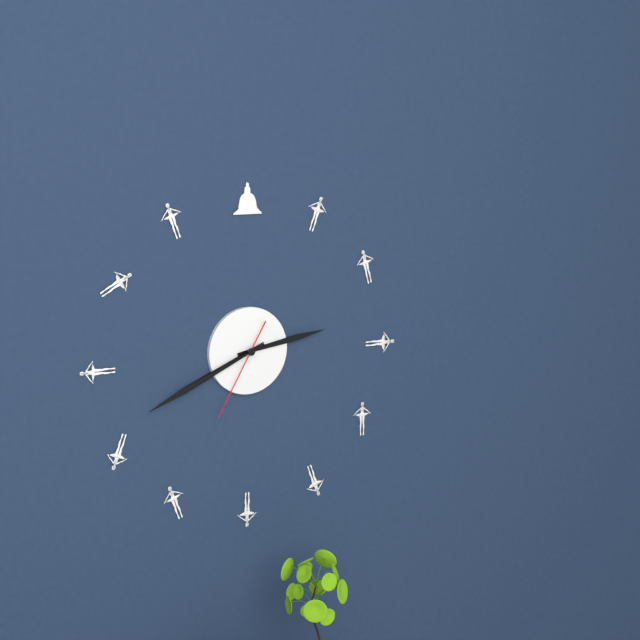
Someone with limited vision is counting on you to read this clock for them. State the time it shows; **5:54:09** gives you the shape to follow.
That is **2:41:35**
